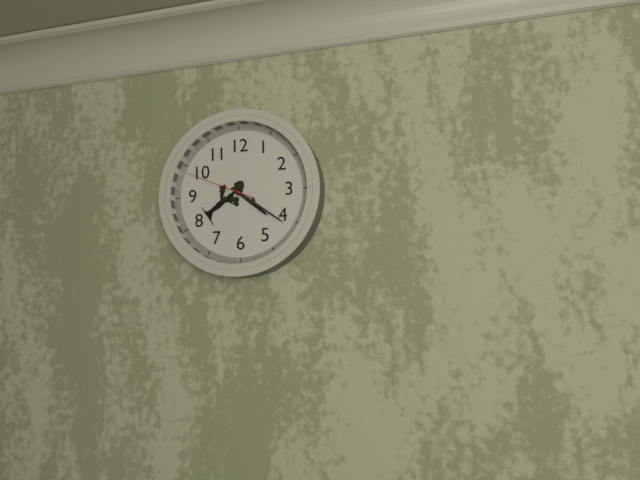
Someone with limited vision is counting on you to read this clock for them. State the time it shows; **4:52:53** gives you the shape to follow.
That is **4:21:49**
